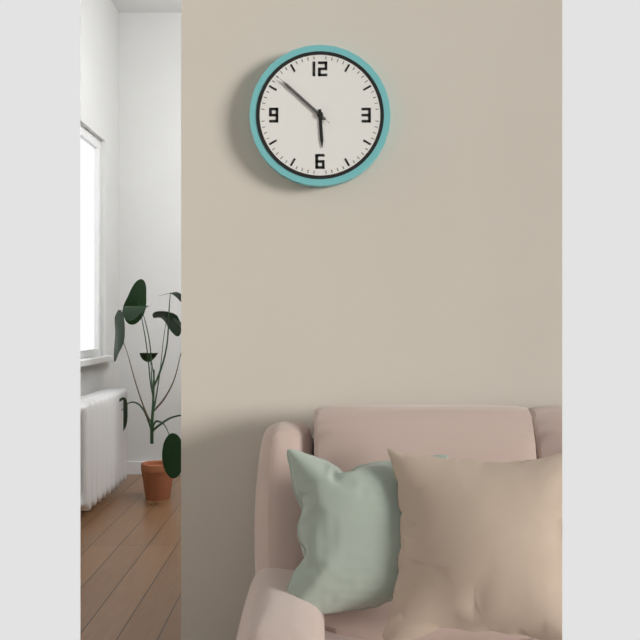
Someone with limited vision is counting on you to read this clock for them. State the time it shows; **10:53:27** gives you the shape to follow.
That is **5:52:52**
